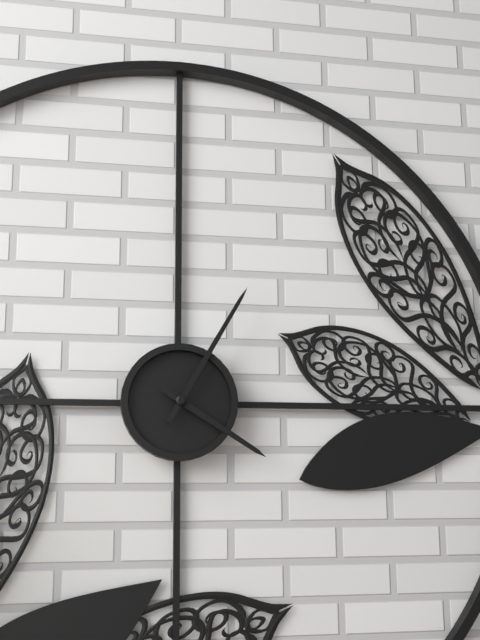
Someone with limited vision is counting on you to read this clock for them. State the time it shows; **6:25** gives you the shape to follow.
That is **4:05**
